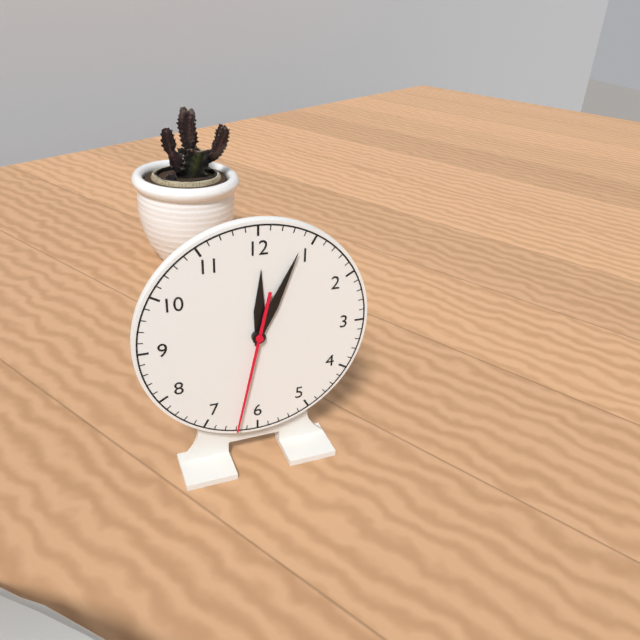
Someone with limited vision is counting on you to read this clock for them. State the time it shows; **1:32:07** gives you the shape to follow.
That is **12:04:32**
